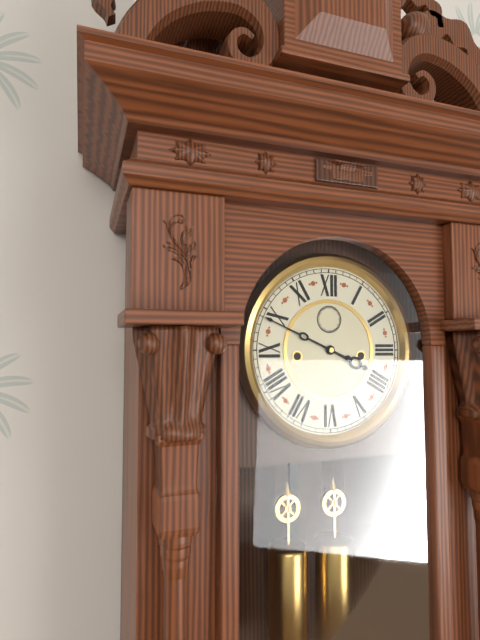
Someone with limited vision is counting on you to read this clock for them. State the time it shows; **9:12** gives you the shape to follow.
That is **3:49**
